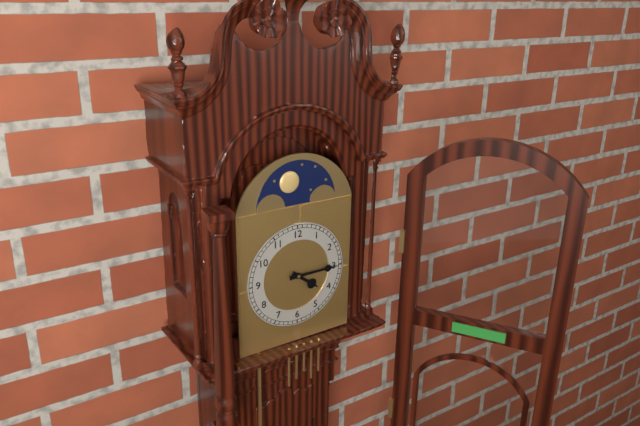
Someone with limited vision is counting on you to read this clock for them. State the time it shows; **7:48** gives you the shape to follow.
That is **4:15**
